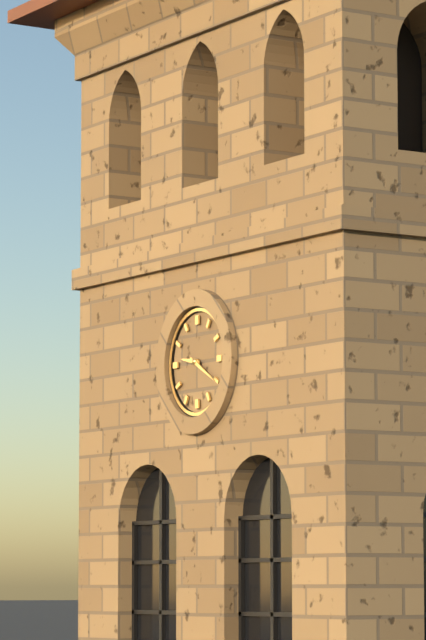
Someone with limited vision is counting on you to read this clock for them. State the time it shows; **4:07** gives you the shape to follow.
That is **9:20**
